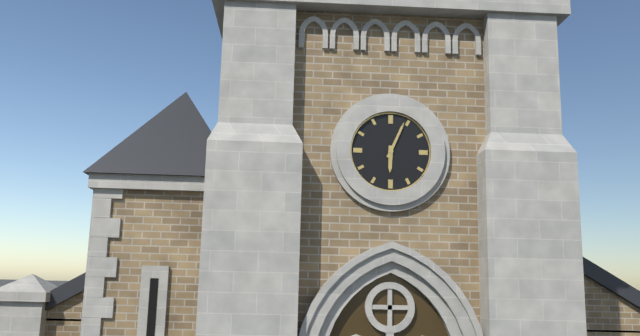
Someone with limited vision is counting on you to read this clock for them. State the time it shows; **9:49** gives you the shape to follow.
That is **6:04**
